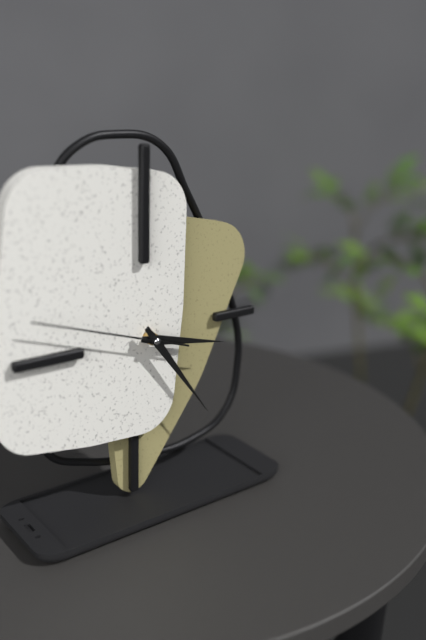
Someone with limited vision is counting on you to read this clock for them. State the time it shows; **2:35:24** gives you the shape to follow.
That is **3:24:48**
